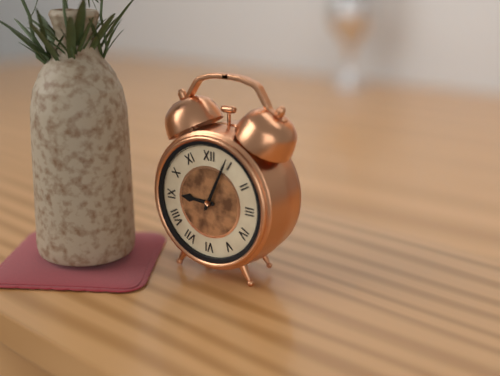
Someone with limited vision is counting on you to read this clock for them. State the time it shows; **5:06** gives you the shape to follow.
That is **9:04**
